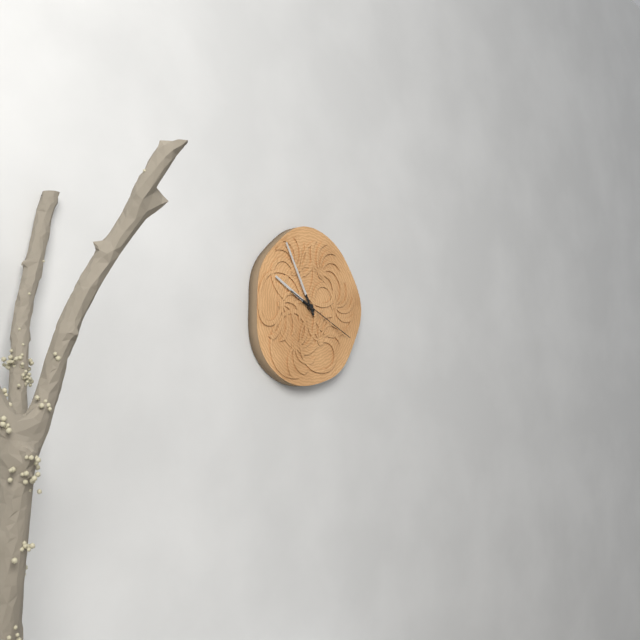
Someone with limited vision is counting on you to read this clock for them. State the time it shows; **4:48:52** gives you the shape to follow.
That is **9:55:19**
